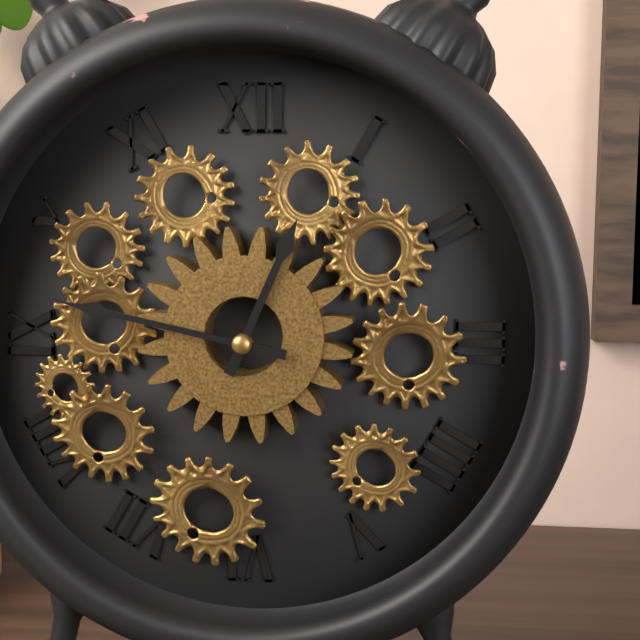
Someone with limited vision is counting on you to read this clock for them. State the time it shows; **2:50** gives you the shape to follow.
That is **12:47**
